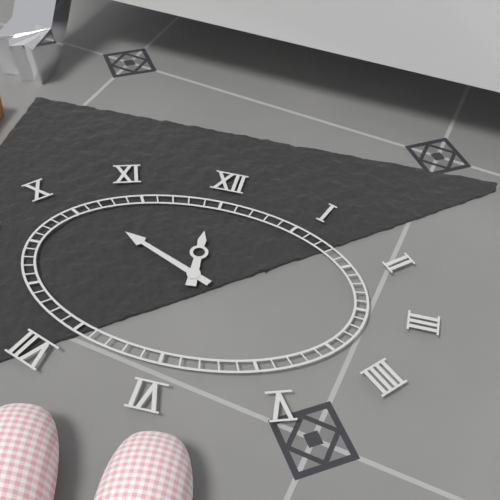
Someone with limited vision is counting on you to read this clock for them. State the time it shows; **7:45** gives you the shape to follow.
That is **11:49**
